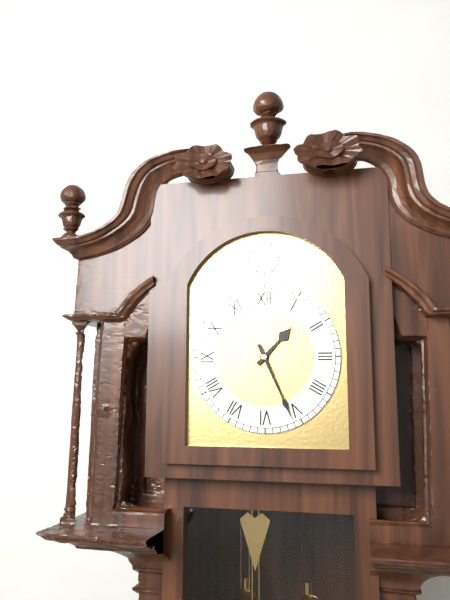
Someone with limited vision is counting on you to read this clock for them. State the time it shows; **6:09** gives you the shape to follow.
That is **1:26**
